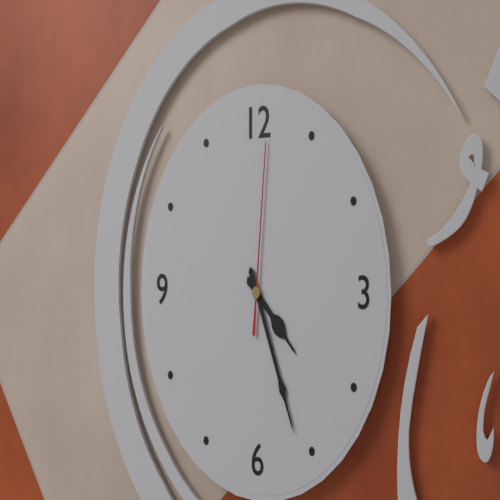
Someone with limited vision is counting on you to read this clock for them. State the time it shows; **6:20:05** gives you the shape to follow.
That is **4:26:01**
